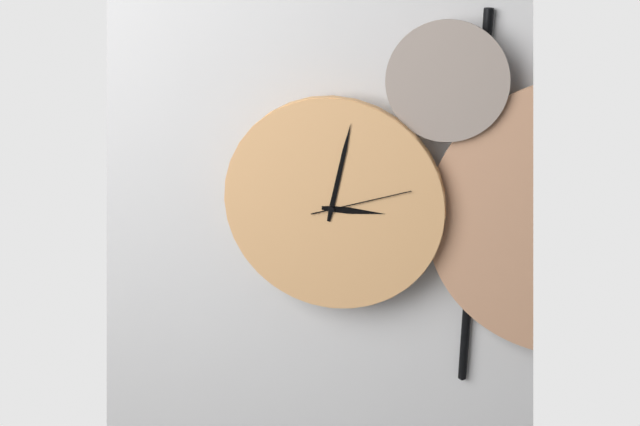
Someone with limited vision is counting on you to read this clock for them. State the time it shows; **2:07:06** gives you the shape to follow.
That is **3:02:12**
